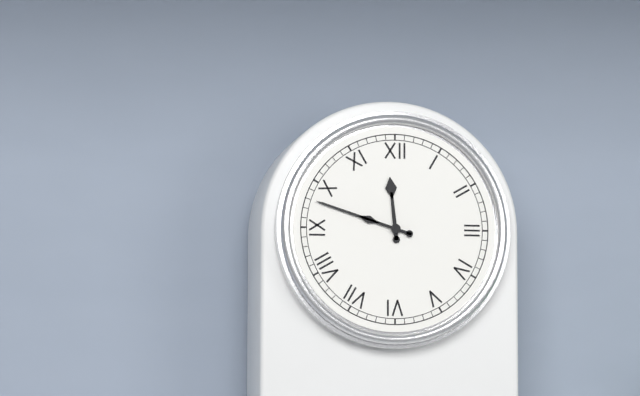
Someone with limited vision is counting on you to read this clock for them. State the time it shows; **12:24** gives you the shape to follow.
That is **11:48**
